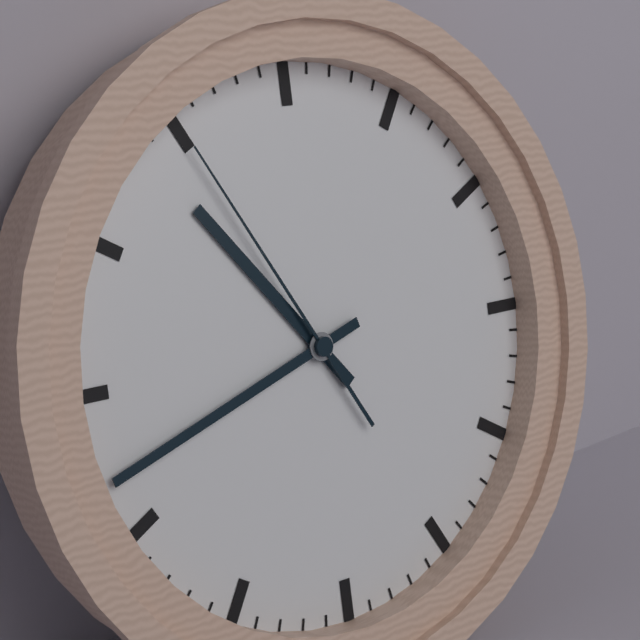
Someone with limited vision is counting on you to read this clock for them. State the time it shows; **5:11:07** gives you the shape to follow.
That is **10:42:55**
